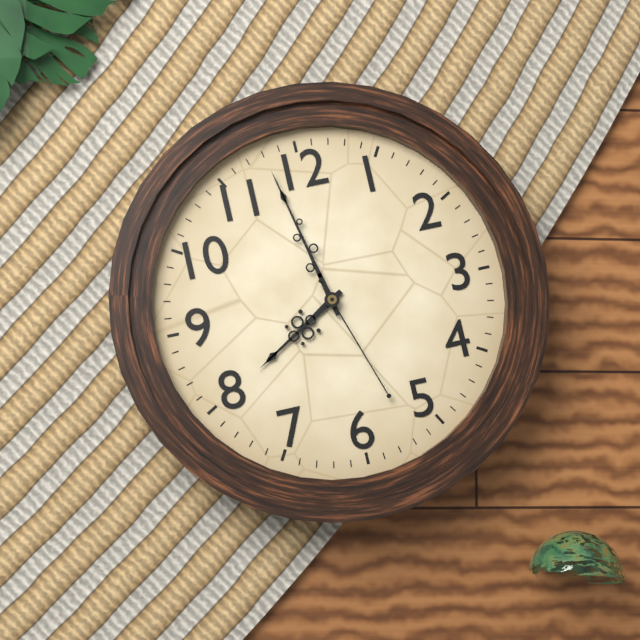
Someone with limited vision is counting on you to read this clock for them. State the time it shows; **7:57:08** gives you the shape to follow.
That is **7:58:27**
